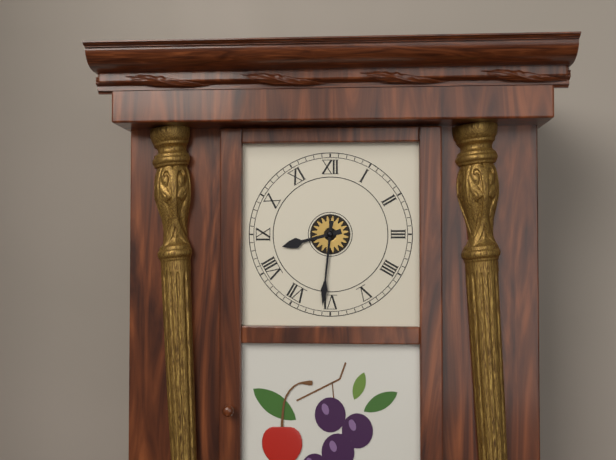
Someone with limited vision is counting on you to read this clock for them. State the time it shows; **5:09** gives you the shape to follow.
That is **8:31**
